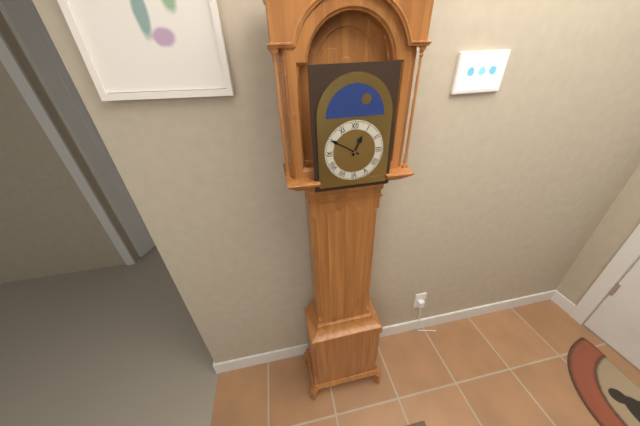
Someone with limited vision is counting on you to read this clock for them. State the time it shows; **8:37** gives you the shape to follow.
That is **12:50**
